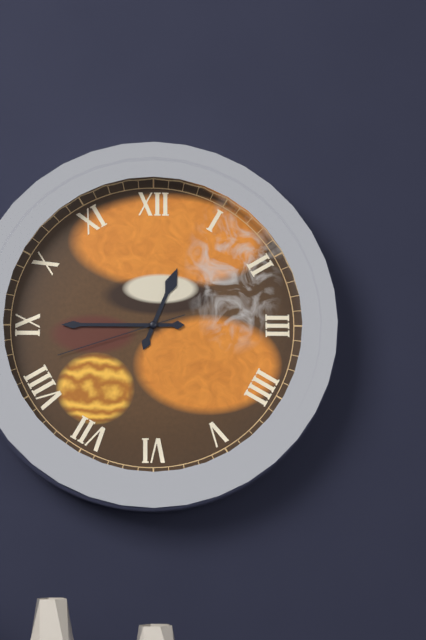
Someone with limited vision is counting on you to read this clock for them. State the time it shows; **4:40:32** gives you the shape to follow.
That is **12:45:42**
